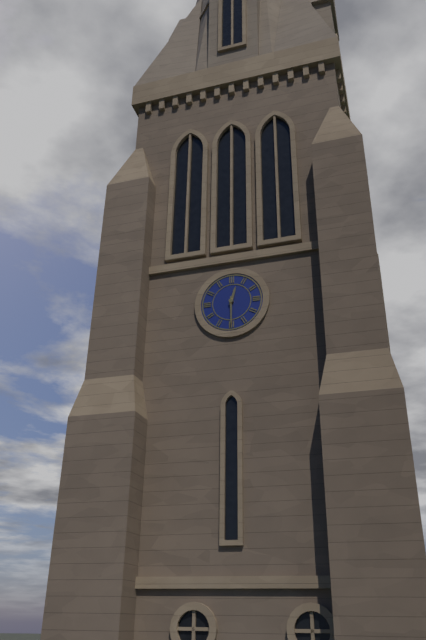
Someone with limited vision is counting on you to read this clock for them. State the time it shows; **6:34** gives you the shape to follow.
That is **12:30**
